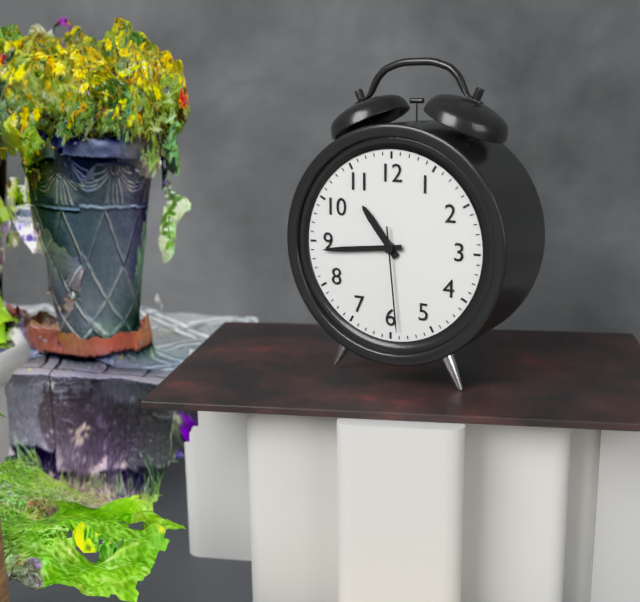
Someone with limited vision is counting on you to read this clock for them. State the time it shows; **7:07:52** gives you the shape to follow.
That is **10:44:29**
